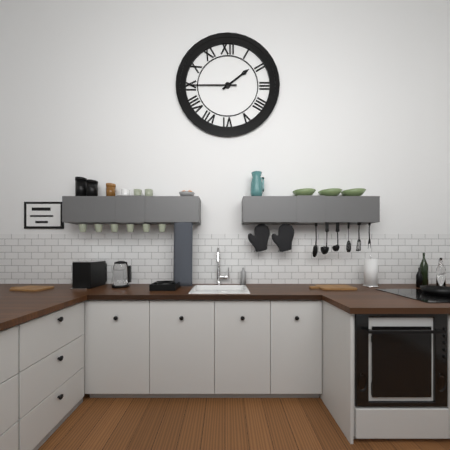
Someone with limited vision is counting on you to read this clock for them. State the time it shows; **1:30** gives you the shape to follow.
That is **1:45**
